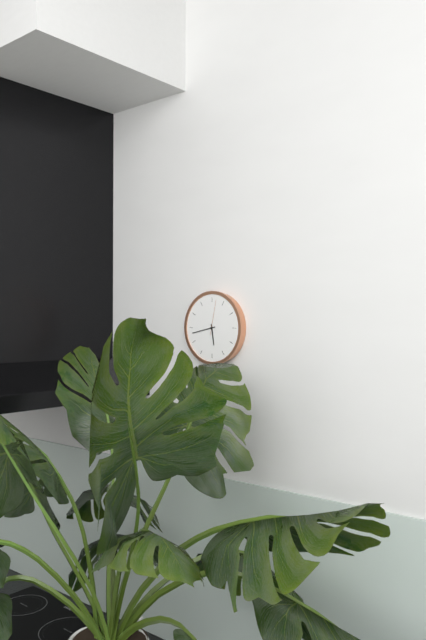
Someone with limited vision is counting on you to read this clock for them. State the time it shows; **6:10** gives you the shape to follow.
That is **5:43**
